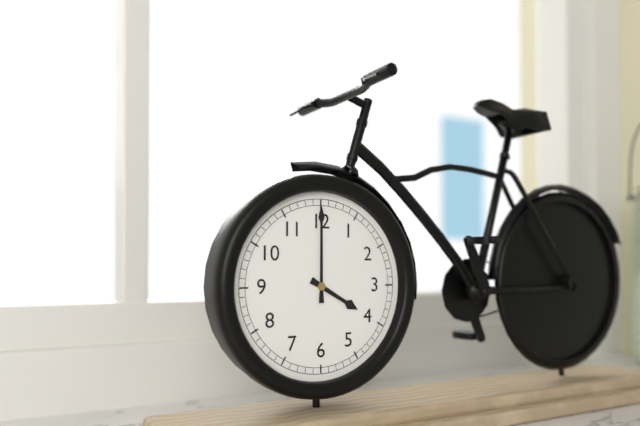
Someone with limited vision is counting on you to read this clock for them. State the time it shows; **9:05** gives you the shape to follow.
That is **4:00**
